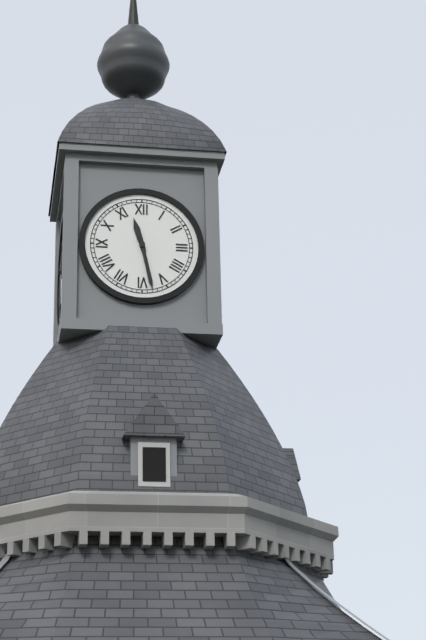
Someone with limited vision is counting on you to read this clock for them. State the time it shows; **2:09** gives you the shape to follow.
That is **11:28**
